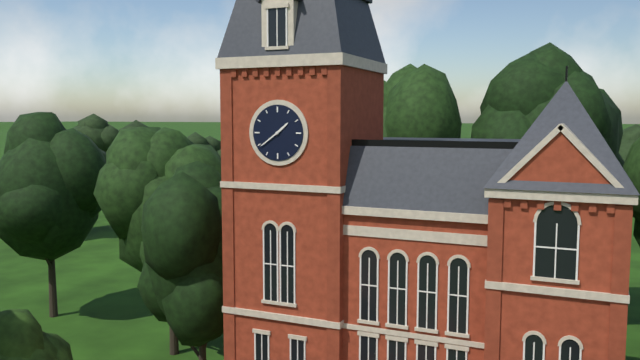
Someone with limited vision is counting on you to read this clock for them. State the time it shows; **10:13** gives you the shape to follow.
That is **1:39**
